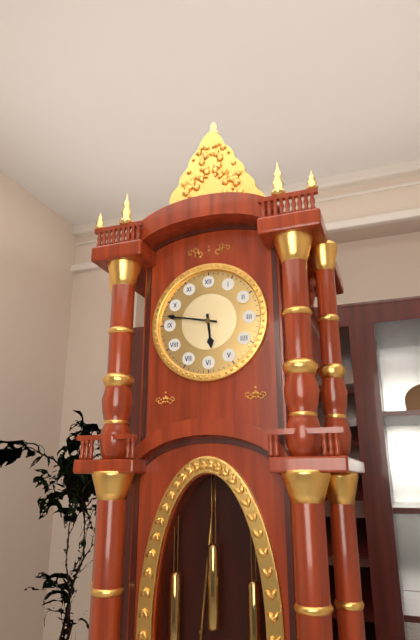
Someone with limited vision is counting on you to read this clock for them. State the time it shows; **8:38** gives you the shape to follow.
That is **5:47**
